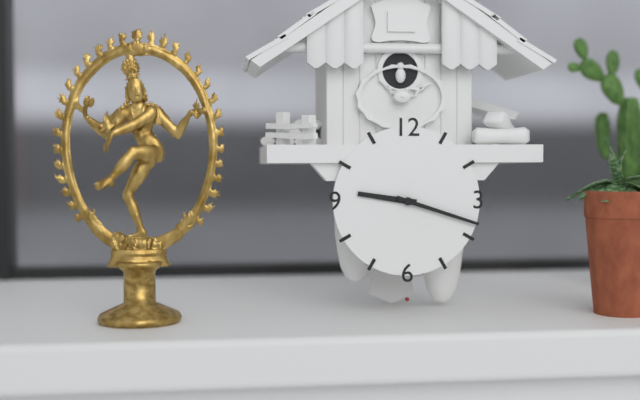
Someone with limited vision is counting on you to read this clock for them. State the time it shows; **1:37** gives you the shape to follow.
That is **9:18**
